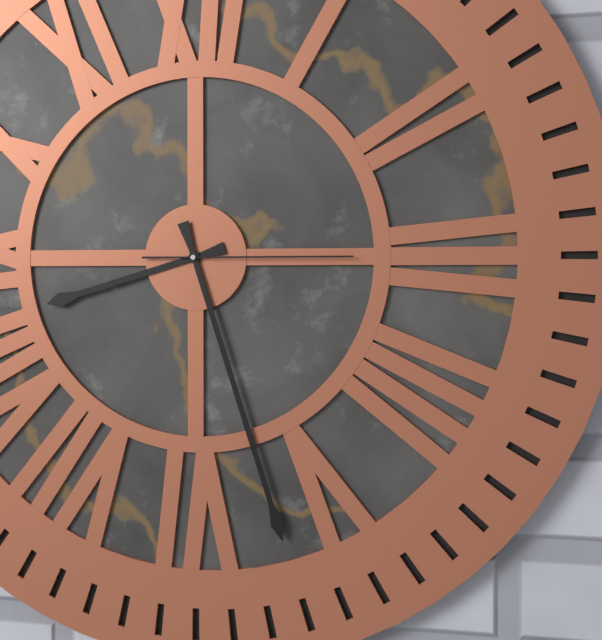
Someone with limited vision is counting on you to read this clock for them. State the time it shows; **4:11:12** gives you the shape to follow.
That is **8:27:15**
